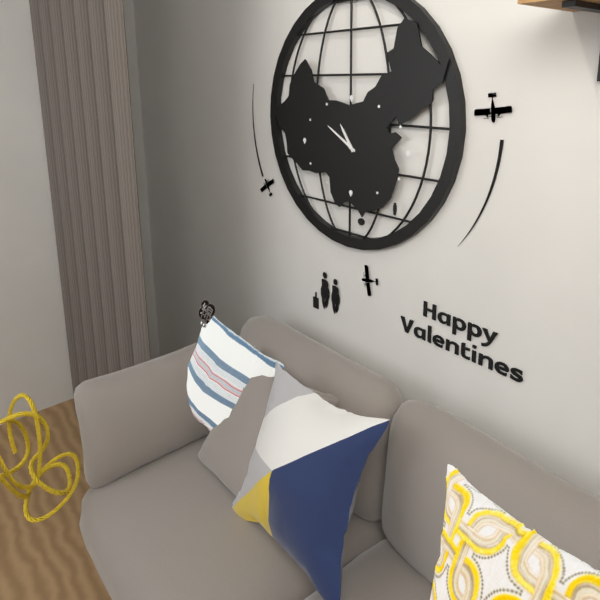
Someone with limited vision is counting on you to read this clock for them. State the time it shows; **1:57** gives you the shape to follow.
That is **10:50**
